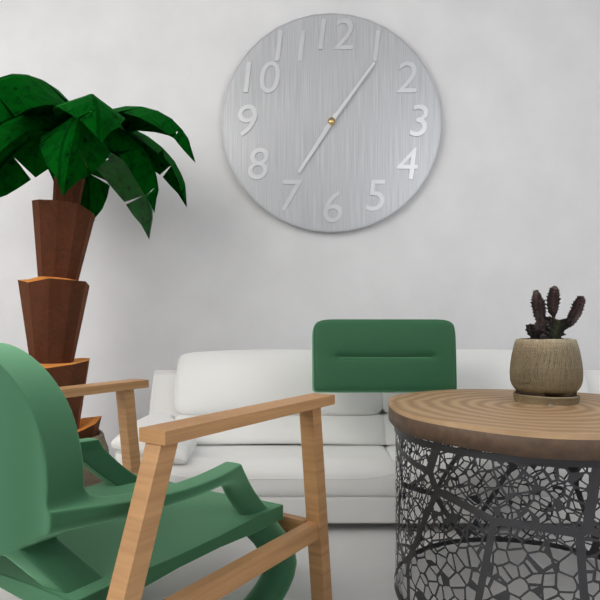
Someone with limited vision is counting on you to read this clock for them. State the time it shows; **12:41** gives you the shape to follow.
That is **7:06**
